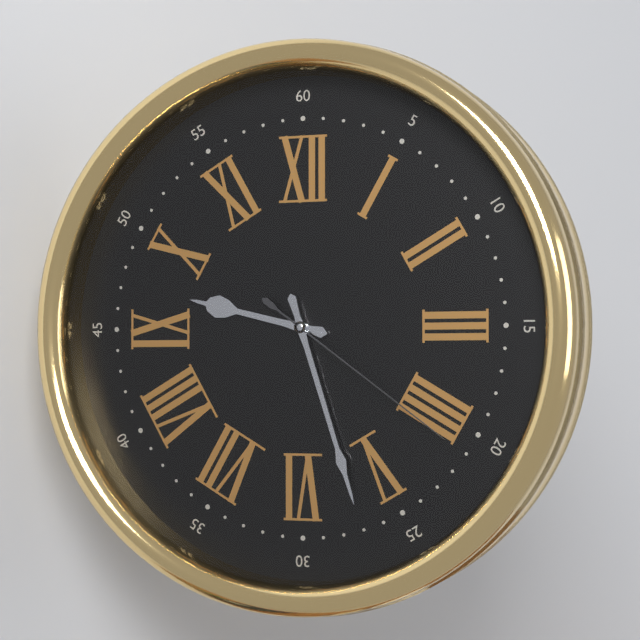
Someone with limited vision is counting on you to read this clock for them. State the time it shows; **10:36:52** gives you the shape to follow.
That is **9:27:21**
